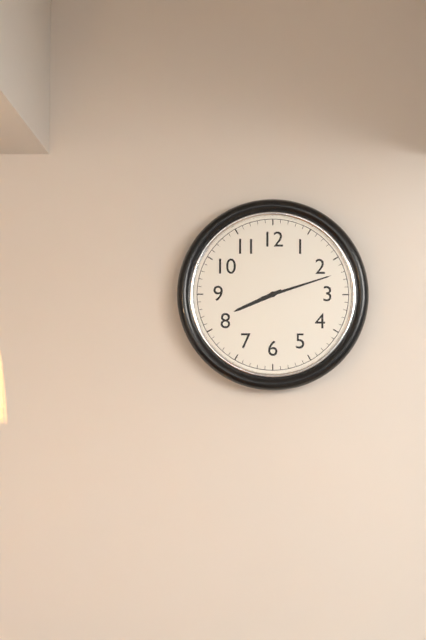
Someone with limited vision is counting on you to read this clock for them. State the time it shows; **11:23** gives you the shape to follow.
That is **8:12**
